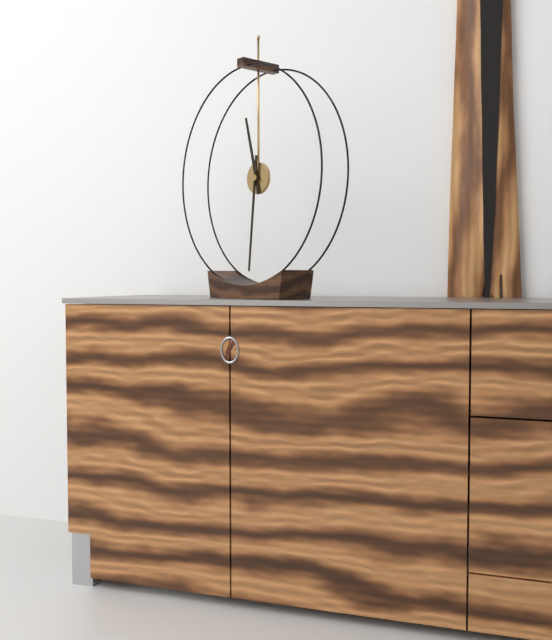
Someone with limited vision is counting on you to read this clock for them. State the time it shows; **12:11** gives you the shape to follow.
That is **11:31**
